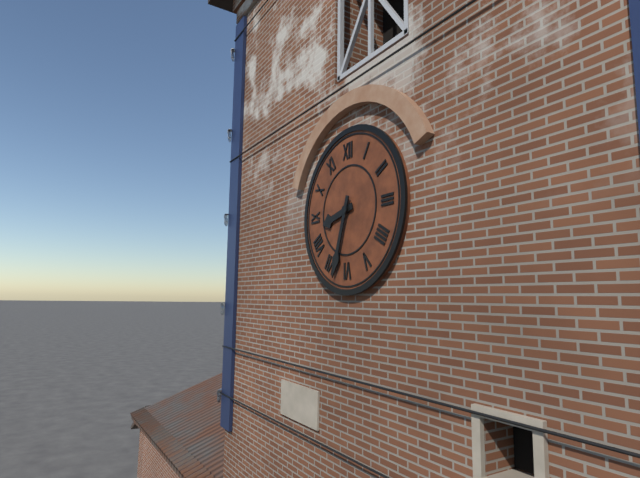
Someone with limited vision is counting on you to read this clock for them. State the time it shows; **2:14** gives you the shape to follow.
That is **8:33**
